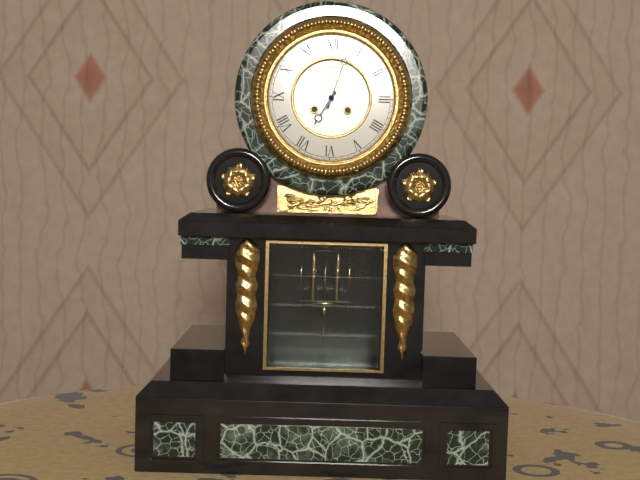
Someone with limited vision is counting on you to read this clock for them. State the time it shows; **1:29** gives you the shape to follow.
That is **7:03**
